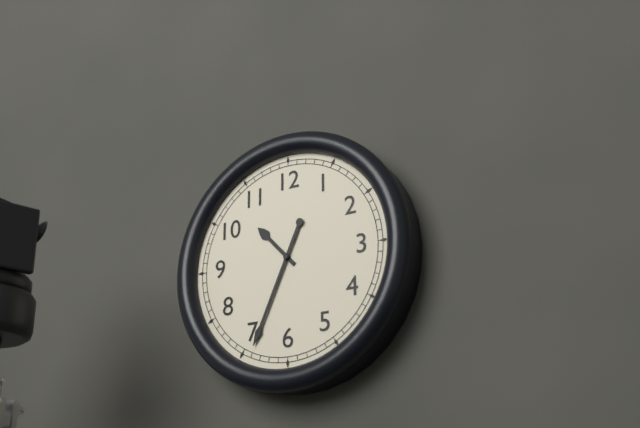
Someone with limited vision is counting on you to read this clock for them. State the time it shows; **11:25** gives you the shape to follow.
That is **10:34**
